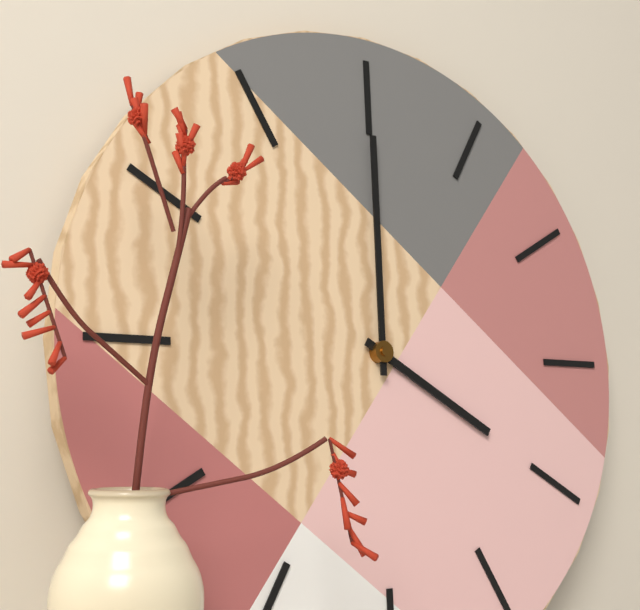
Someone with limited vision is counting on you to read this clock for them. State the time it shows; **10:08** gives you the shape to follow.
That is **4:00**
